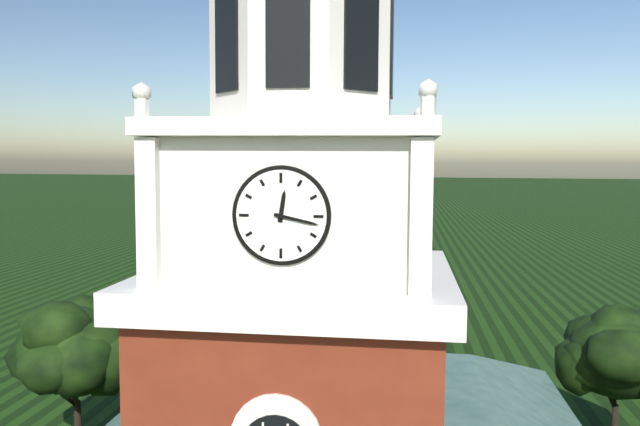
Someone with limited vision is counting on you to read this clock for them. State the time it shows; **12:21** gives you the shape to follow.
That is **12:17**
